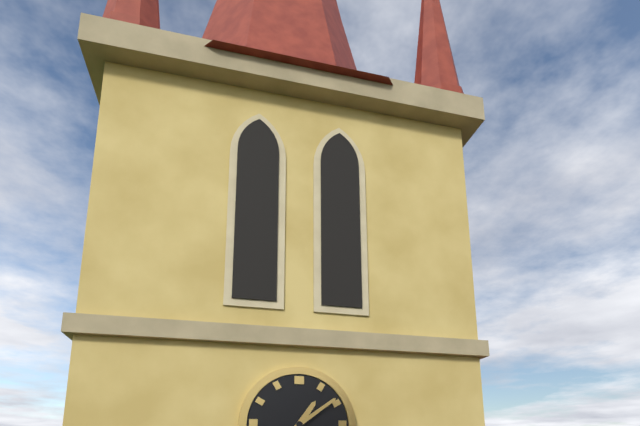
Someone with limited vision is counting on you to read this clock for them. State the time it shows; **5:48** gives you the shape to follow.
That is **1:09**
